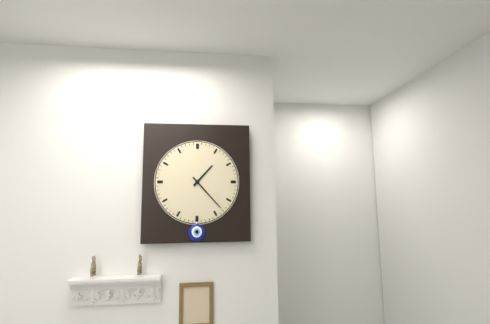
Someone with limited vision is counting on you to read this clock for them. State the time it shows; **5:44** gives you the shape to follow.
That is **1:23**
